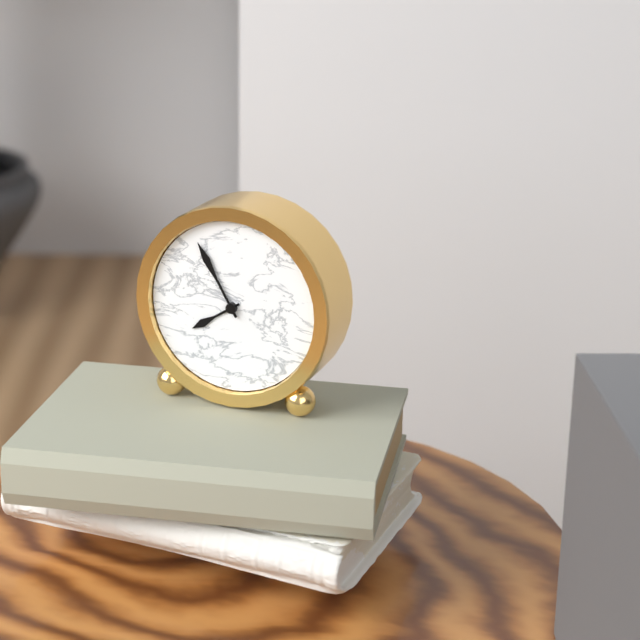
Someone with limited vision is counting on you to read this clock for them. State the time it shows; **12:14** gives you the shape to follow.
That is **7:55**
